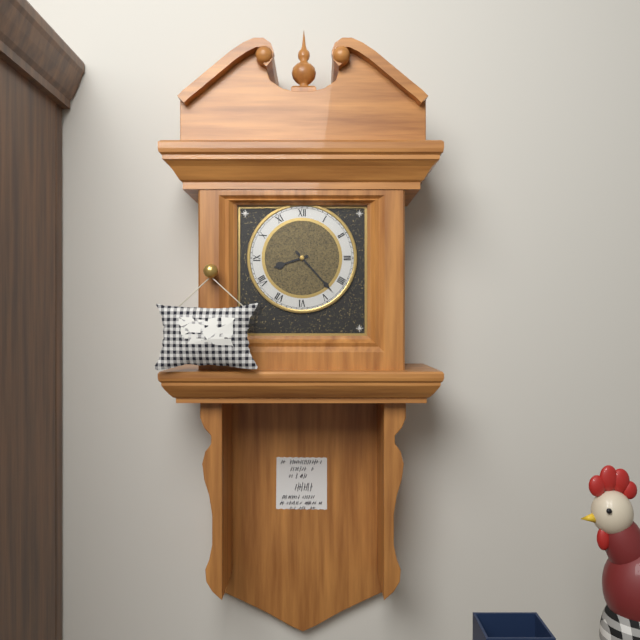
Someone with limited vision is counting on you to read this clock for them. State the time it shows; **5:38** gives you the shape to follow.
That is **8:23**
